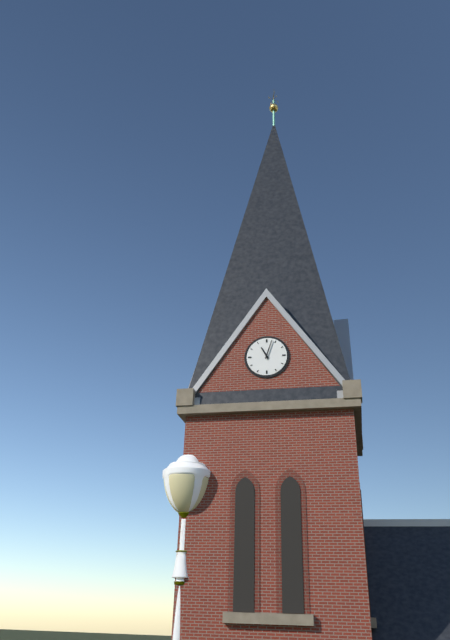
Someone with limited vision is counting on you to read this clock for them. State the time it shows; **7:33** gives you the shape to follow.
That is **11:03**
